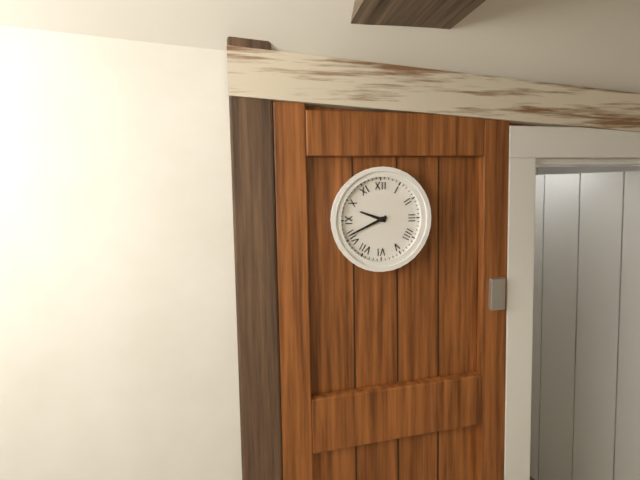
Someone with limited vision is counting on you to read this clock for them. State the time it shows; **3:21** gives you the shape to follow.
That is **9:41**
